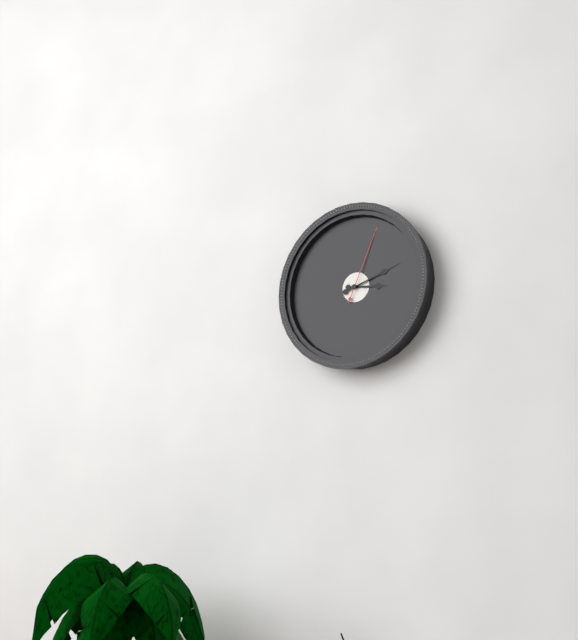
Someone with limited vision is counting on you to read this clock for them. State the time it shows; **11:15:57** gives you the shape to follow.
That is **3:12:04**
